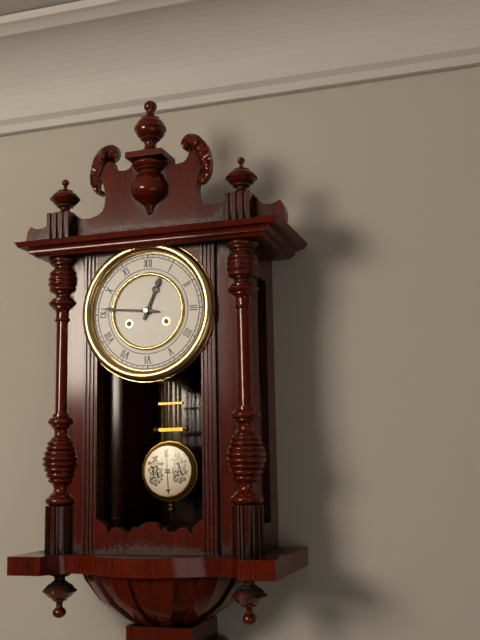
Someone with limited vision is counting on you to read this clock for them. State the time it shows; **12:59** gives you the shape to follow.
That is **12:46**
